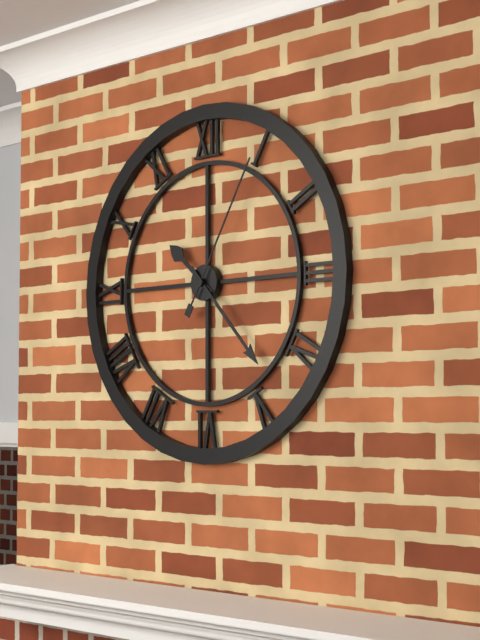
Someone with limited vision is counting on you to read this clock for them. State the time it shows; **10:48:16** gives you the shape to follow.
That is **10:23:05**
